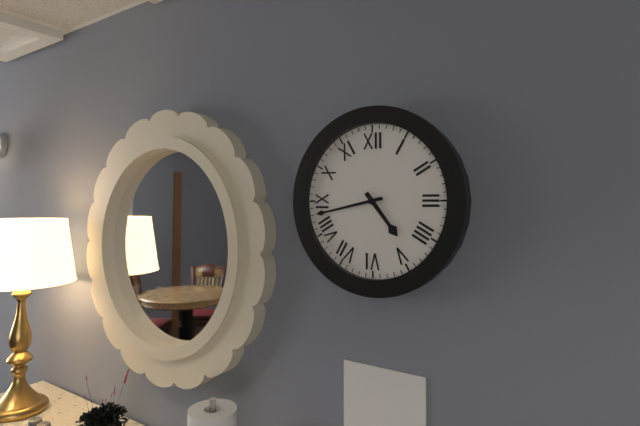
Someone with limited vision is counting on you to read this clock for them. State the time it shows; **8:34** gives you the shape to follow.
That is **4:43**
